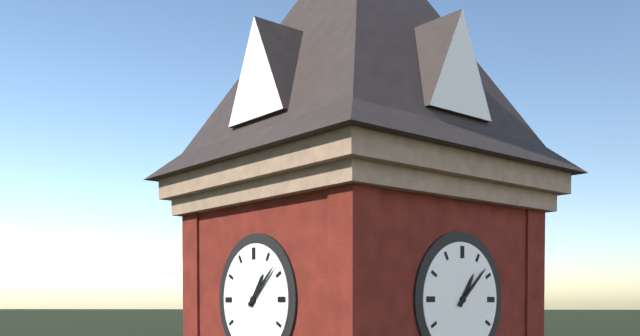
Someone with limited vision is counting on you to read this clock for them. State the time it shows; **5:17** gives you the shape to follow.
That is **1:08**
